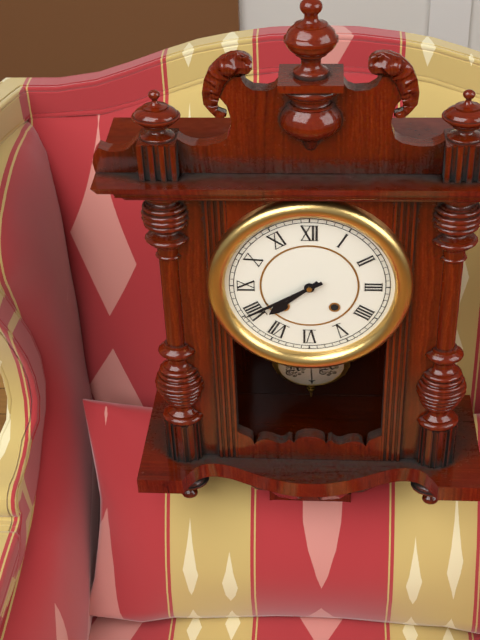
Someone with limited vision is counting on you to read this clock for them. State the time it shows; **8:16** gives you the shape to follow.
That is **7:40**
